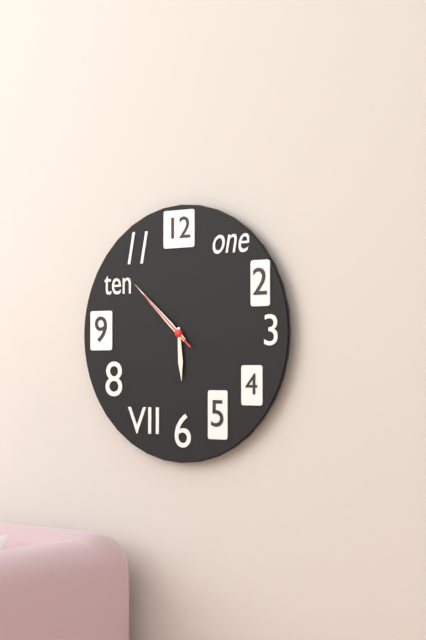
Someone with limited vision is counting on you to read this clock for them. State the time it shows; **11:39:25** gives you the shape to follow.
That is **5:52:52**
